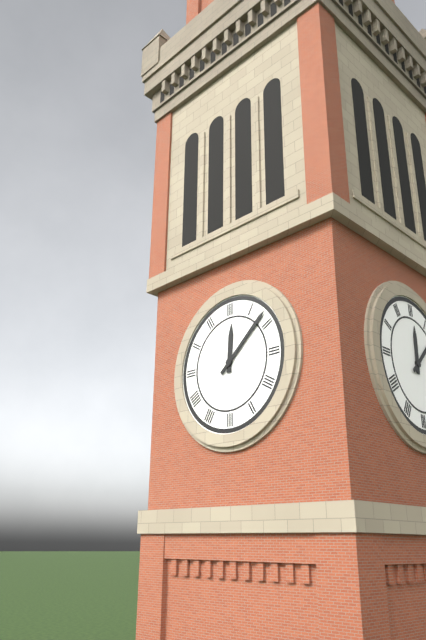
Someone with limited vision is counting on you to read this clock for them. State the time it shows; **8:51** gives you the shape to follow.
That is **12:08**
